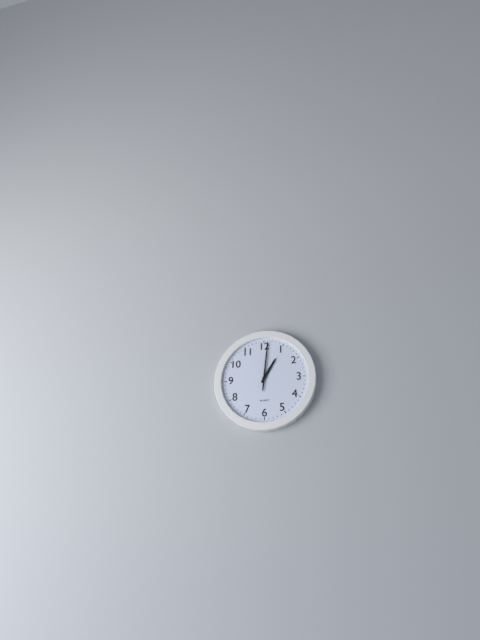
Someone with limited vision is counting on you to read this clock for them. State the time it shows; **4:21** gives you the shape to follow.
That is **1:01**
